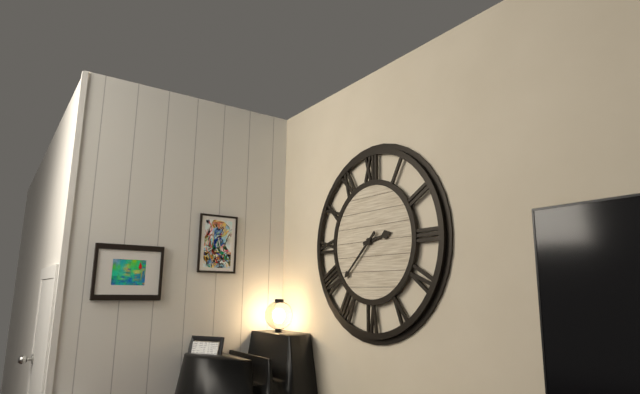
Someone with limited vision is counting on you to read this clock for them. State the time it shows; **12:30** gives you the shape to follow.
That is **2:38**
